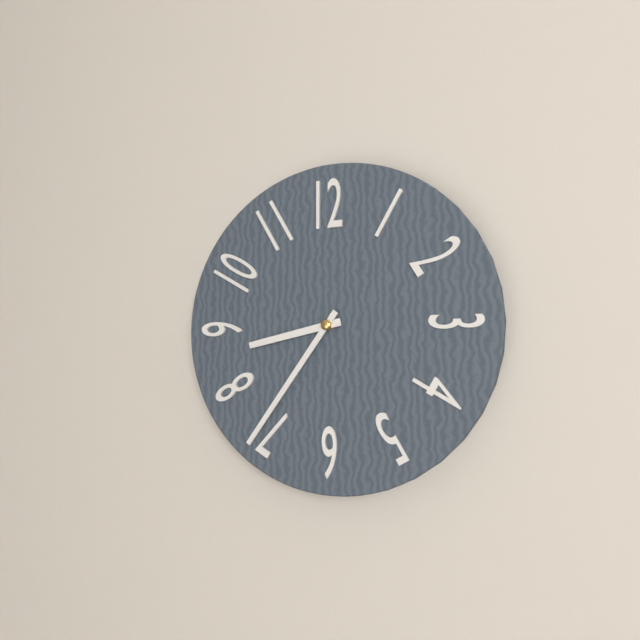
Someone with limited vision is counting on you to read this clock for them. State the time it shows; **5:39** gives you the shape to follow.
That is **8:36**
